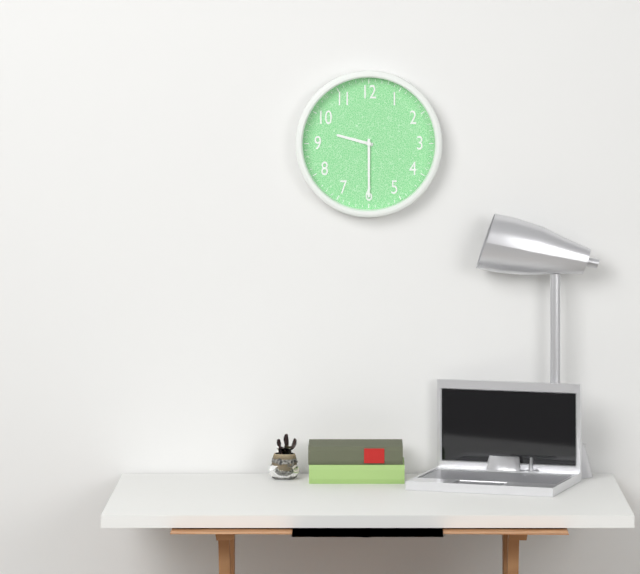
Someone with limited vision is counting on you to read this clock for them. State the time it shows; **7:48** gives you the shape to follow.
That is **9:30**
